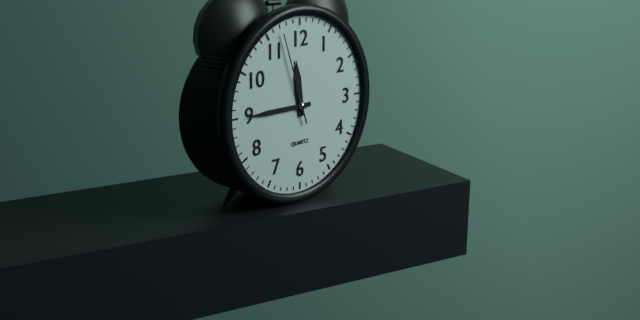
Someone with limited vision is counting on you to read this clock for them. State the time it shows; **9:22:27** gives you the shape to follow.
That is **11:45:57**
